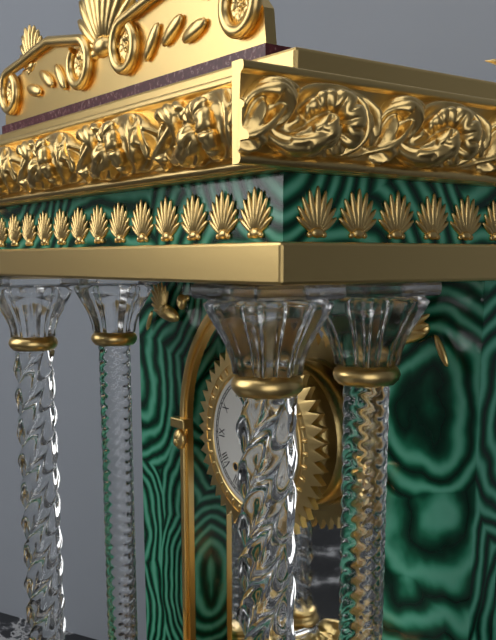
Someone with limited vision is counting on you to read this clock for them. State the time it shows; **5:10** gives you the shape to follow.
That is **12:31**
